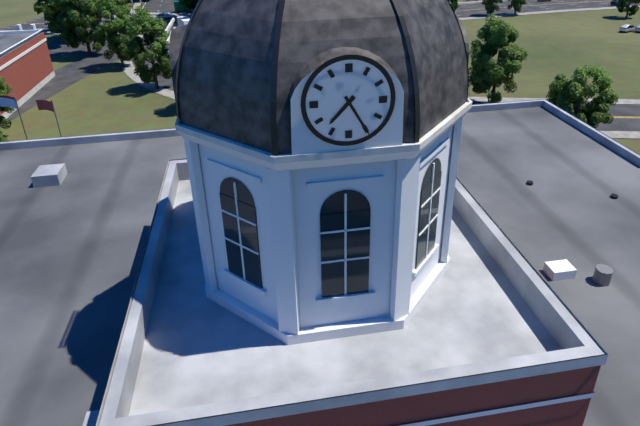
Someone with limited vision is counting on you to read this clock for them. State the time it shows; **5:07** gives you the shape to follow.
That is **7:25**
